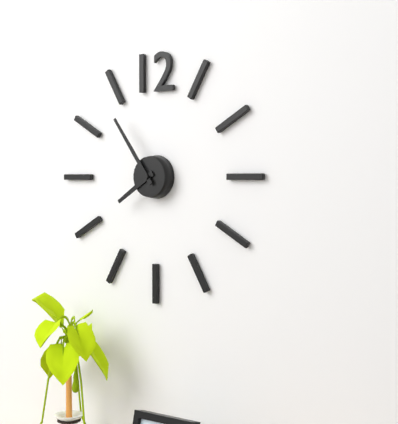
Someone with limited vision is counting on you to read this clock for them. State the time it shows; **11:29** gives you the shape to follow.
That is **7:54**
